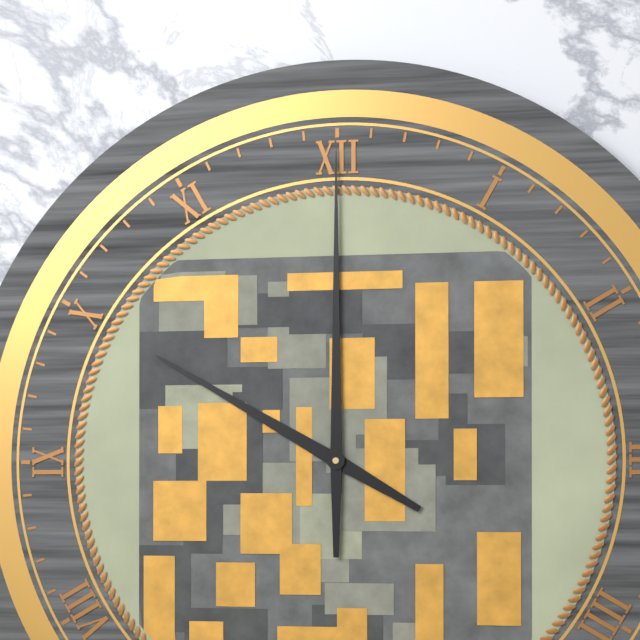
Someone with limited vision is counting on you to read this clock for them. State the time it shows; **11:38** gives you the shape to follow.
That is **10:00**
